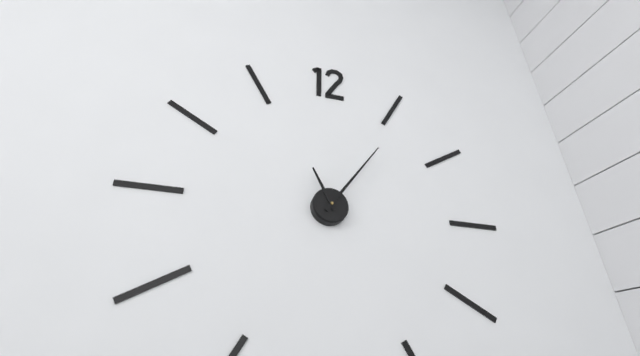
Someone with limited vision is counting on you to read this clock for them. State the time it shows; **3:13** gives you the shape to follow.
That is **11:06**
